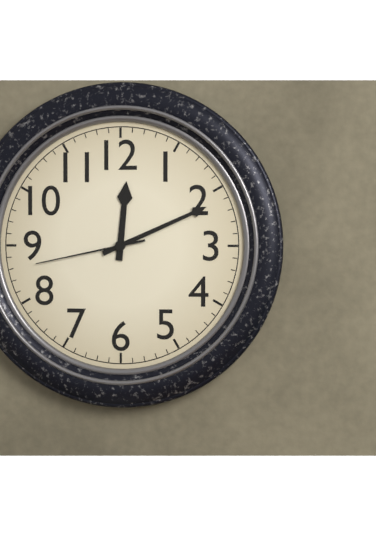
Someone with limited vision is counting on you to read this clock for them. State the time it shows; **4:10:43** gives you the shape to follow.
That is **12:11:43**
